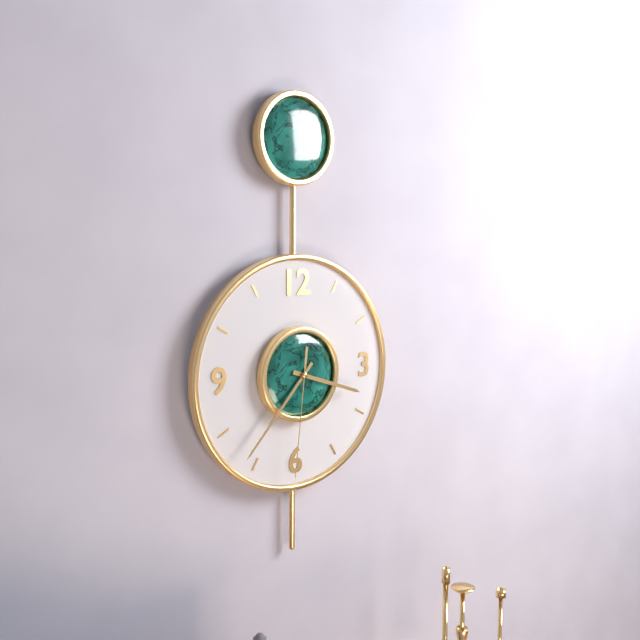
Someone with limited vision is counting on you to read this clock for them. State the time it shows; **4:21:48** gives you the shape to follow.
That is **3:37:31**
